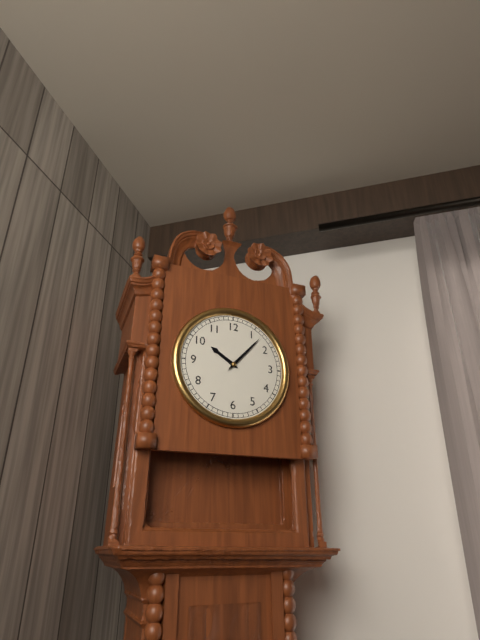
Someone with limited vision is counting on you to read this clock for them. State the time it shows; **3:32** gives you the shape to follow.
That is **10:07**
